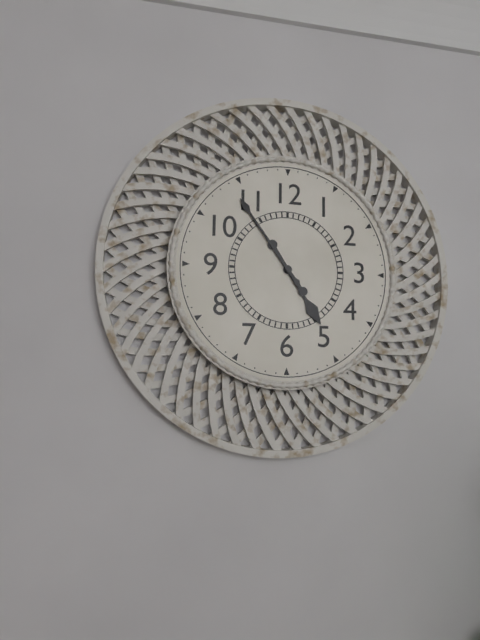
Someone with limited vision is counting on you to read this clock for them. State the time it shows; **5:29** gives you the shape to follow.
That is **4:54**
